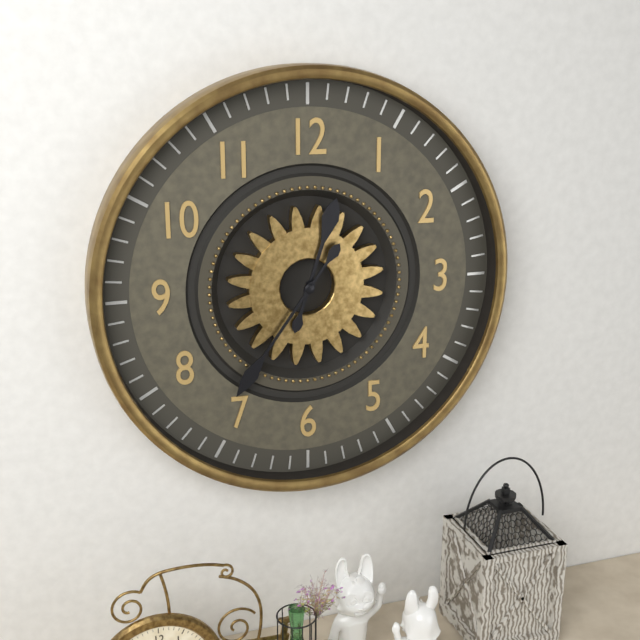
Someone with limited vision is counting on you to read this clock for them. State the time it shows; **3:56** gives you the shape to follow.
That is **12:36**
